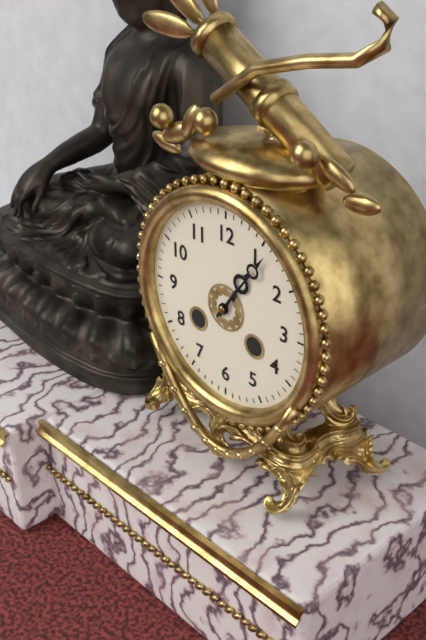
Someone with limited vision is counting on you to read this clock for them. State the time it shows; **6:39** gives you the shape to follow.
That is **1:06**
